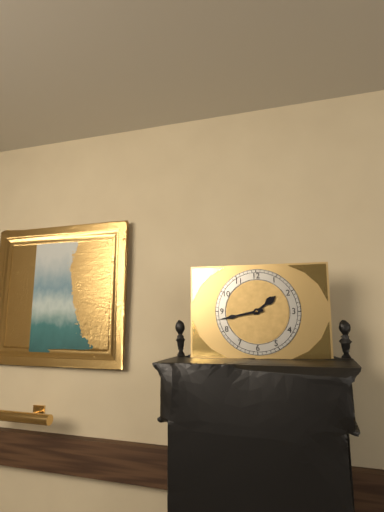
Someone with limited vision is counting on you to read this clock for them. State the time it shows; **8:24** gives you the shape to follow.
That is **1:43**
